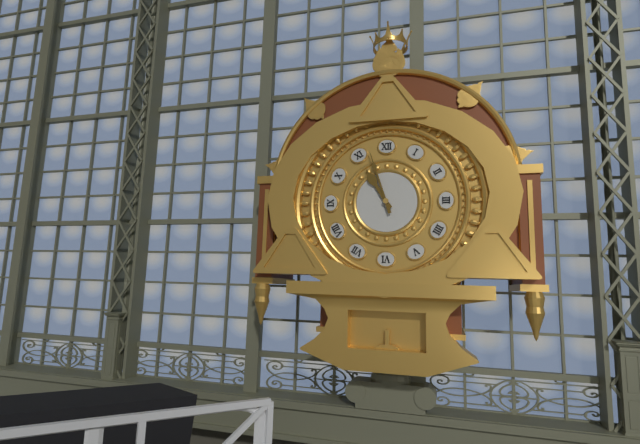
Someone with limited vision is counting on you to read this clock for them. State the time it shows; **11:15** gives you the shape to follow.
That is **10:57**
